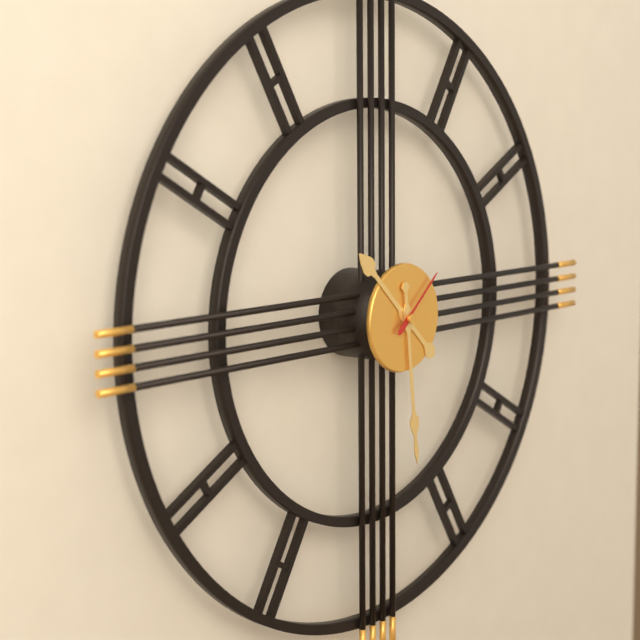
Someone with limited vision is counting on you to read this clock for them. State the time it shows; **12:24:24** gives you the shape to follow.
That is **10:29:08**
